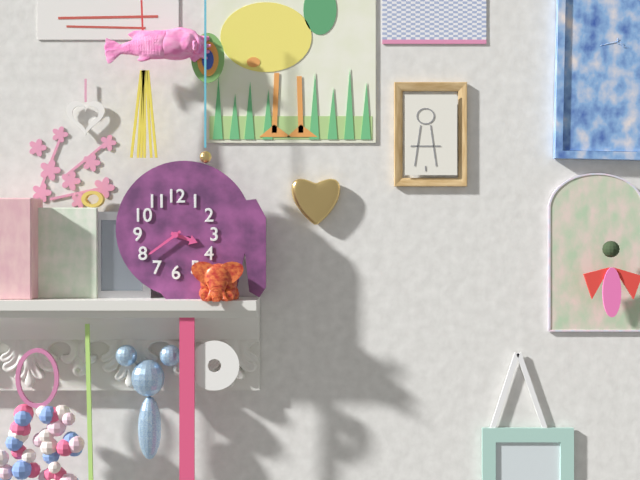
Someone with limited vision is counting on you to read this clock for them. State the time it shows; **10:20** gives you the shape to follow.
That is **3:39**
